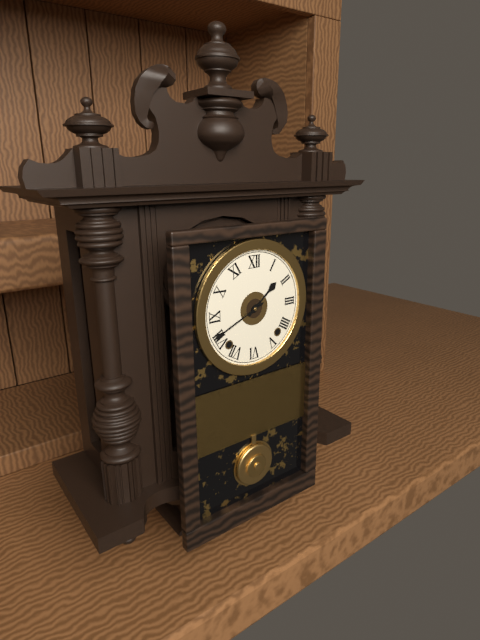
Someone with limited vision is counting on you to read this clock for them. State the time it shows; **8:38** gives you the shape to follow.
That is **1:41**
